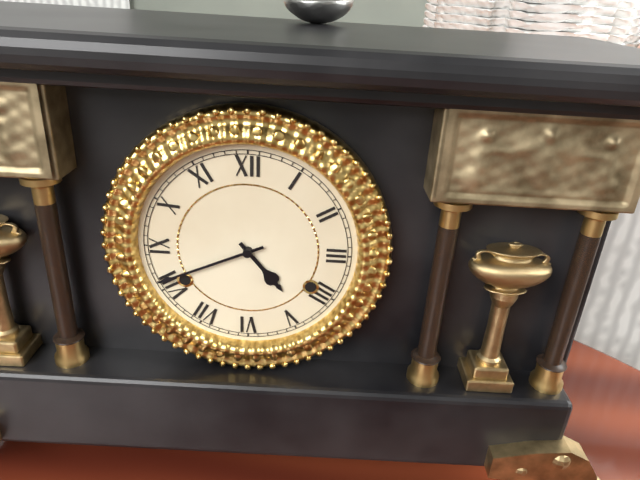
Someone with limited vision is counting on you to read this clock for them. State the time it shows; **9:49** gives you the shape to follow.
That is **4:41**
